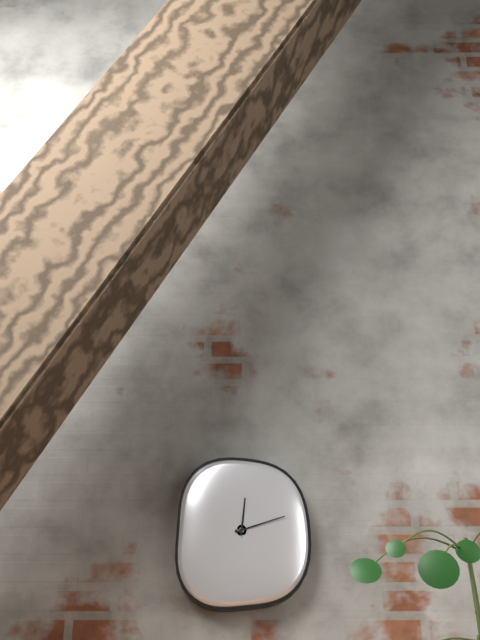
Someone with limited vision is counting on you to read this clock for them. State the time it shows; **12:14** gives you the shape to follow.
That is **12:12**
